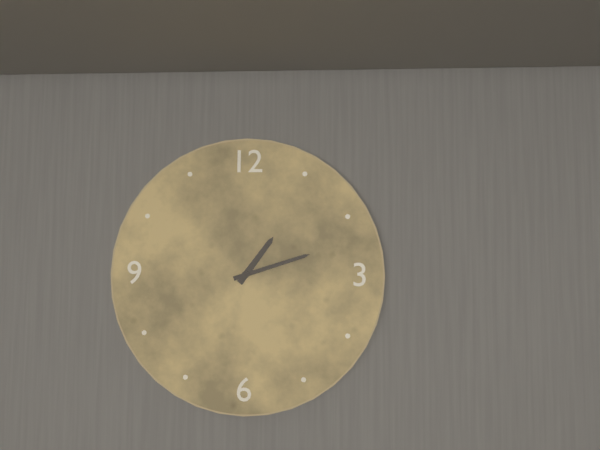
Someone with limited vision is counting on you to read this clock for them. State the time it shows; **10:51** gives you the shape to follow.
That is **1:12**
